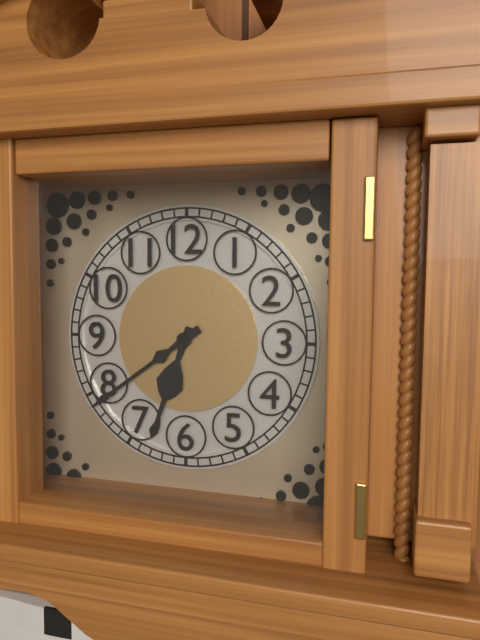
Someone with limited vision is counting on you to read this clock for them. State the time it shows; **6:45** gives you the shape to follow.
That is **6:39**
